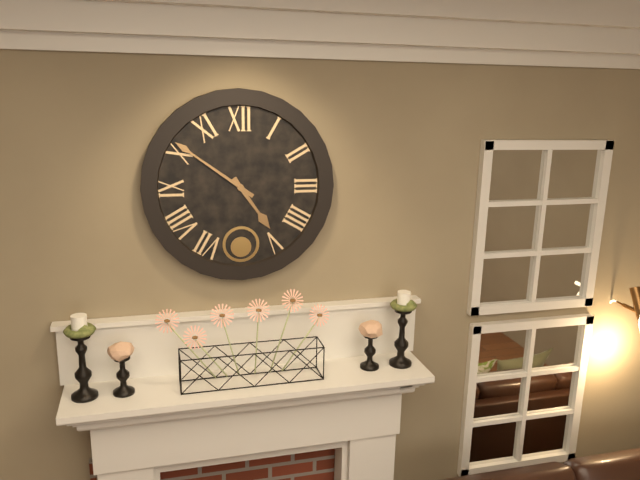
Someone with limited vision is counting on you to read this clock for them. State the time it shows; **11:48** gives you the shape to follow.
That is **4:51**
